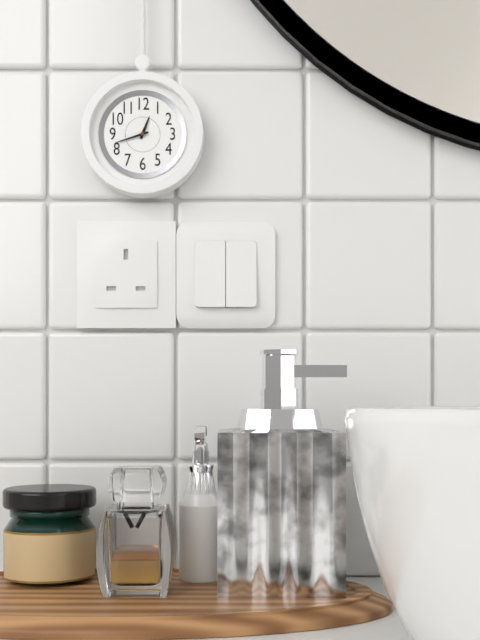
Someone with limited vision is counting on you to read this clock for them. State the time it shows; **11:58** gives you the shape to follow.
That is **12:42**
